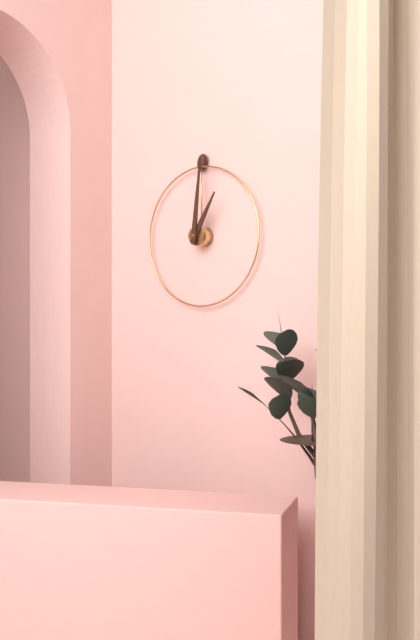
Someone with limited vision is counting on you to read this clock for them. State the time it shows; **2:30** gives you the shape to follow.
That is **1:01**
